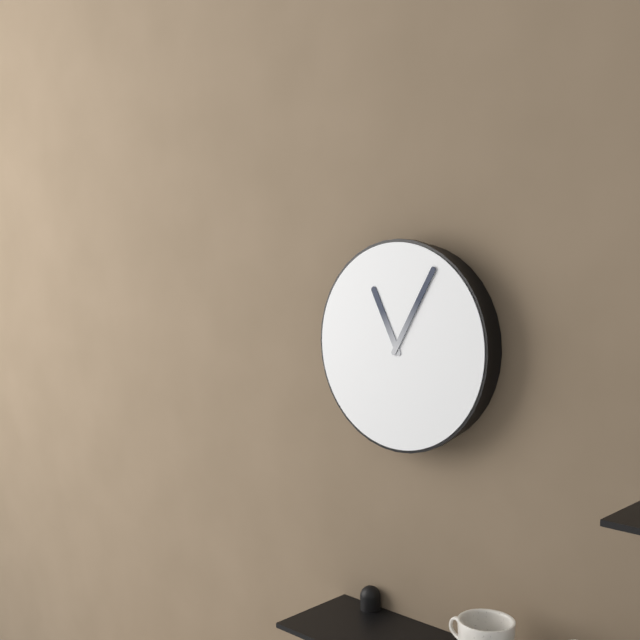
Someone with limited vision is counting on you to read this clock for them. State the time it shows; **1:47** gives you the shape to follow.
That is **11:05**
